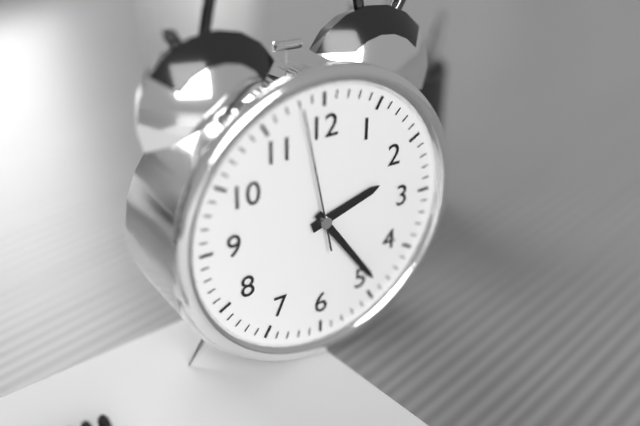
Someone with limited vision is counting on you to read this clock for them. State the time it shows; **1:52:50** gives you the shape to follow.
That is **2:24:58**
